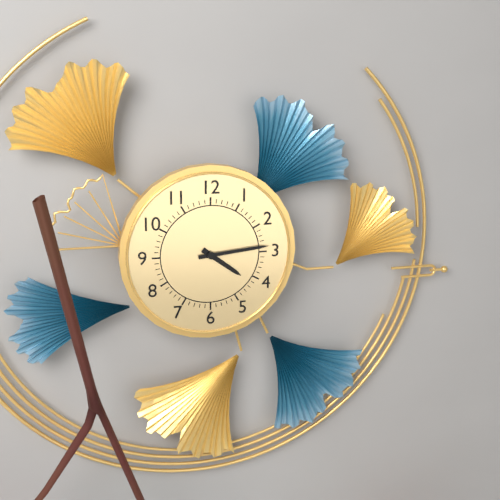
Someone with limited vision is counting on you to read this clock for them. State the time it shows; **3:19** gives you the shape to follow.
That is **4:14**
